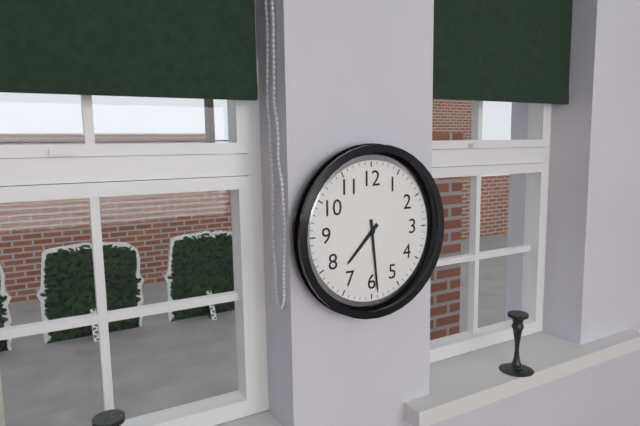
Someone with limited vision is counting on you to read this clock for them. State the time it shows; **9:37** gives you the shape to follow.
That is **7:29**
